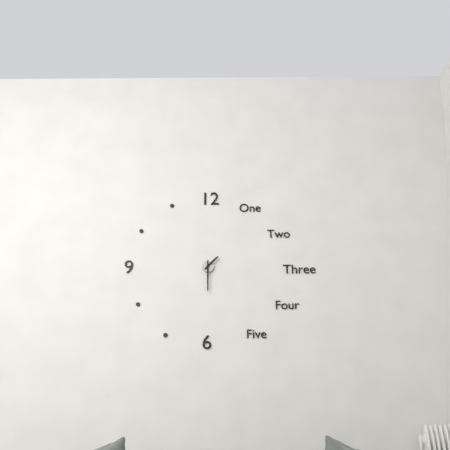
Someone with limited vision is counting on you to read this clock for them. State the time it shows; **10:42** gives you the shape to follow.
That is **1:30**
